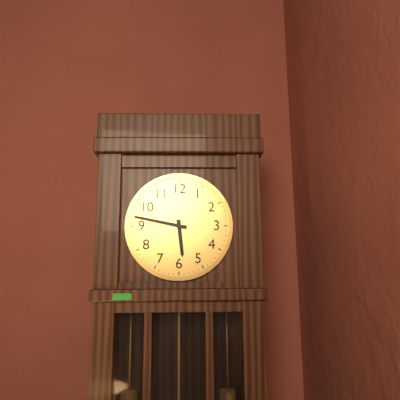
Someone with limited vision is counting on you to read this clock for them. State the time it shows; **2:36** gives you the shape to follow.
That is **5:47**
